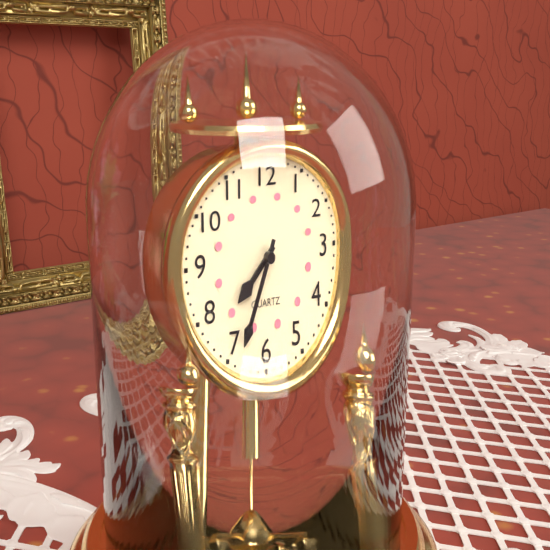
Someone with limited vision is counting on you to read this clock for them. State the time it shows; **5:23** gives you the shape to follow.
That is **7:34**
